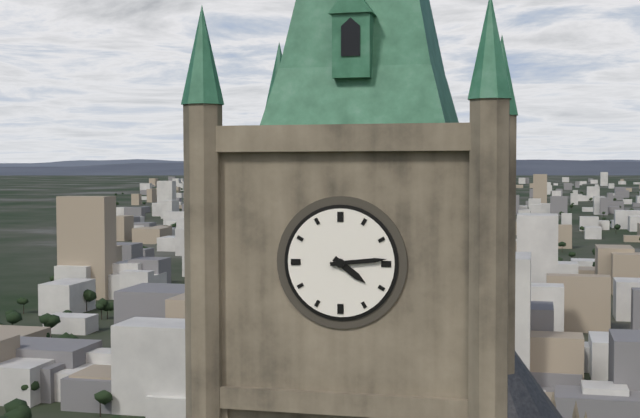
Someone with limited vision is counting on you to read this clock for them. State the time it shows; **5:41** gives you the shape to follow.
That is **4:14**
